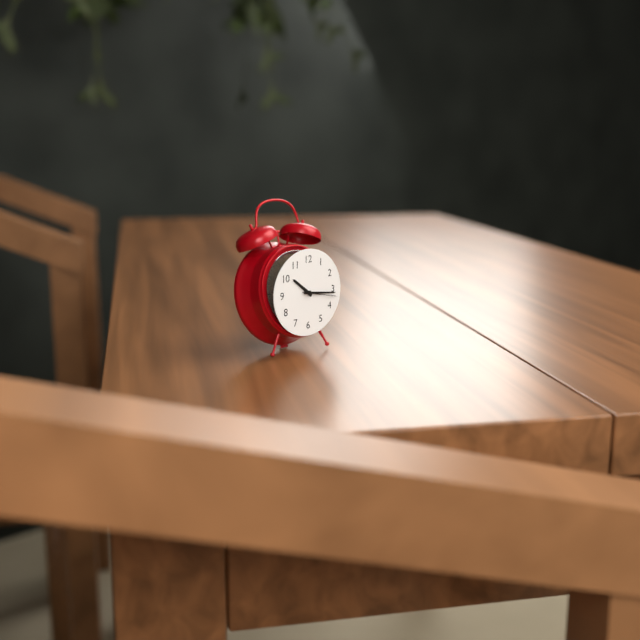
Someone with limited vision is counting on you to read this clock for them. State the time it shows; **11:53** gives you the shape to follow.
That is **10:16**
